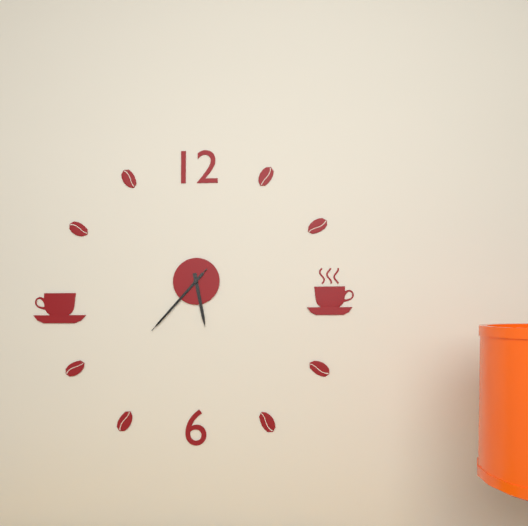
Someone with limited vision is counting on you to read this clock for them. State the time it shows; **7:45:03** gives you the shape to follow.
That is **5:37:37**
